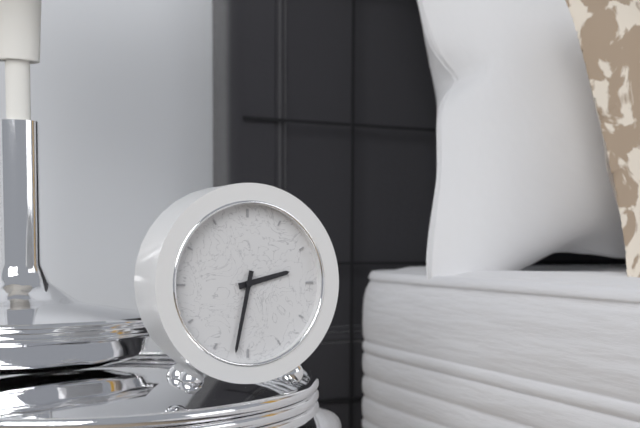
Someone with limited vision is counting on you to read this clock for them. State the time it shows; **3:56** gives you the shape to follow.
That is **2:32**
